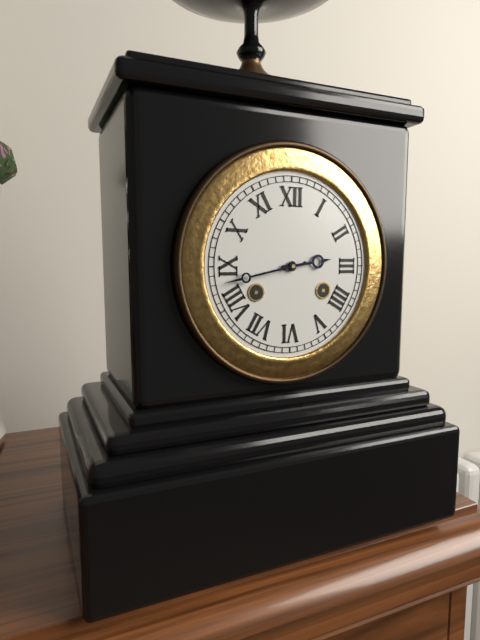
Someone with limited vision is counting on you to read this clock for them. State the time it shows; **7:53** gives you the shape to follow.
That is **2:43**
